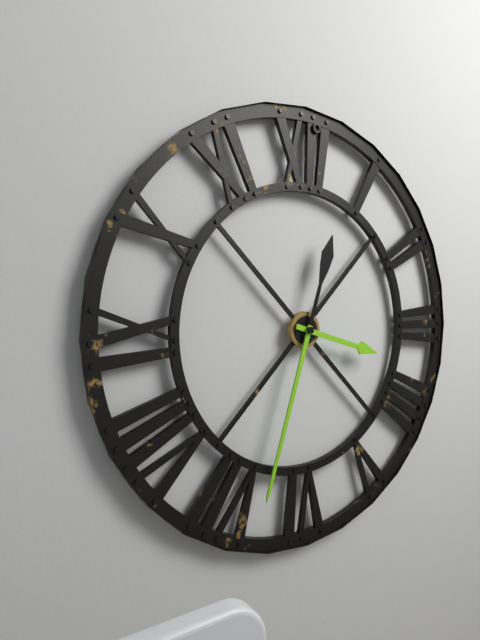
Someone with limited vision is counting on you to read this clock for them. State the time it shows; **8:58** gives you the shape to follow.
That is **3:33**
